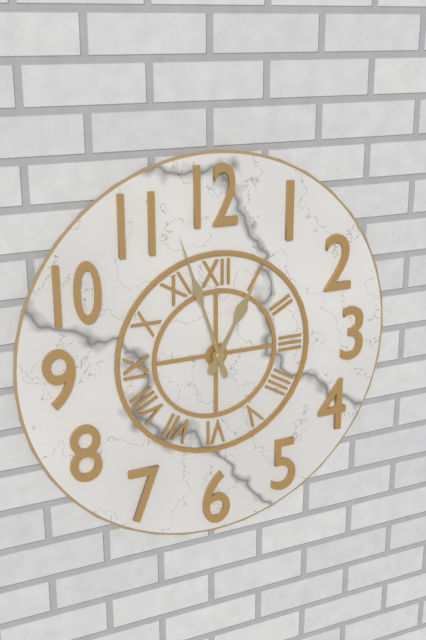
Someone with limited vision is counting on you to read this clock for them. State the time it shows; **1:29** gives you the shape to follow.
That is **12:57**
